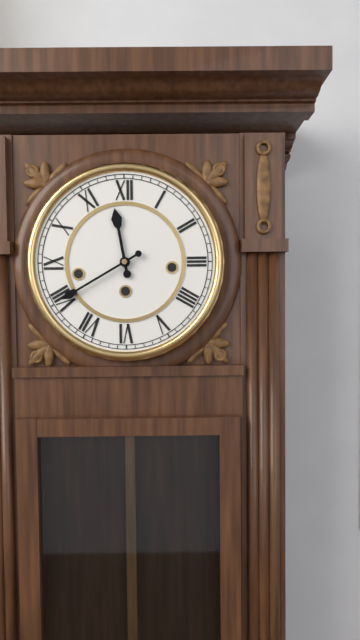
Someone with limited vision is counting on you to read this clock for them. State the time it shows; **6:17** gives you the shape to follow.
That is **11:40**
